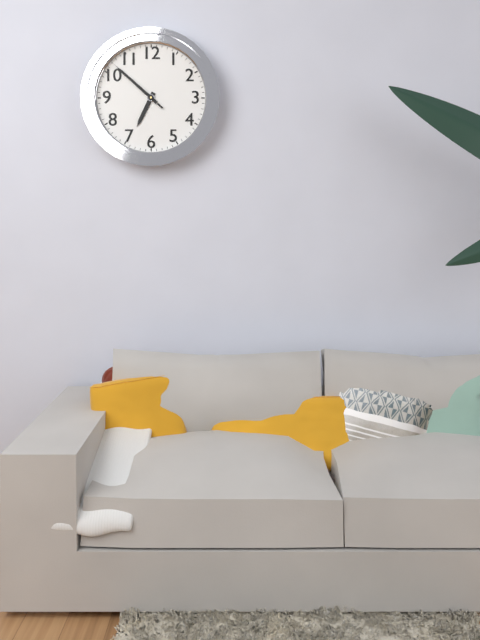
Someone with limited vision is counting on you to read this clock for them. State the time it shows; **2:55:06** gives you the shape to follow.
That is **6:52:52**
